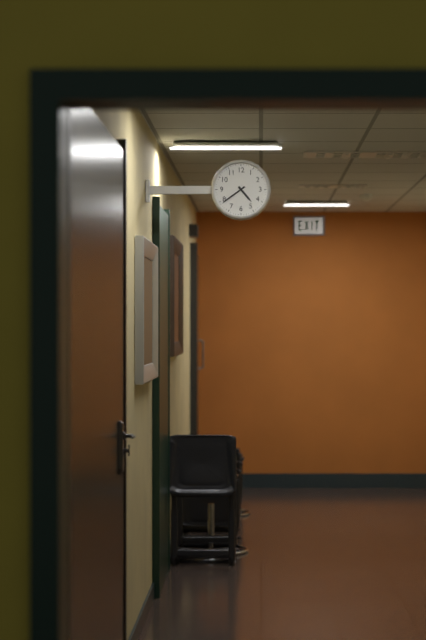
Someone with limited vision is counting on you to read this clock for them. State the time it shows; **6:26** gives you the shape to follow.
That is **4:39**
